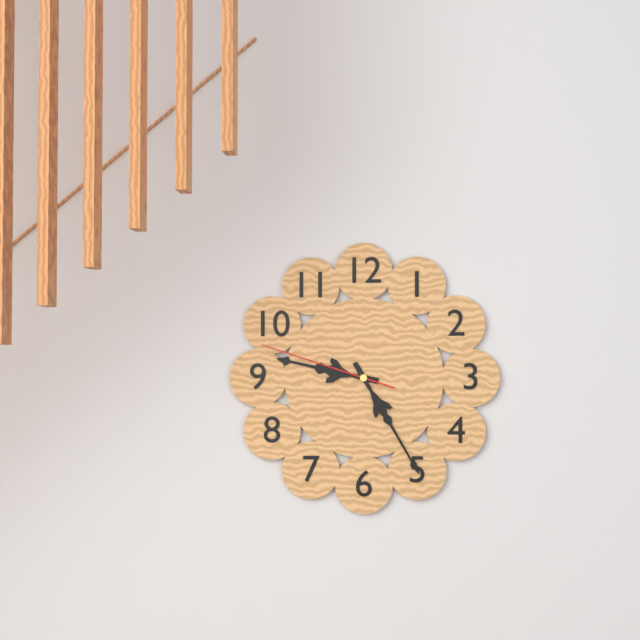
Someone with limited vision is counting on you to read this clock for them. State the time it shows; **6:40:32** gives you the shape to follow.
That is **9:25:48**
